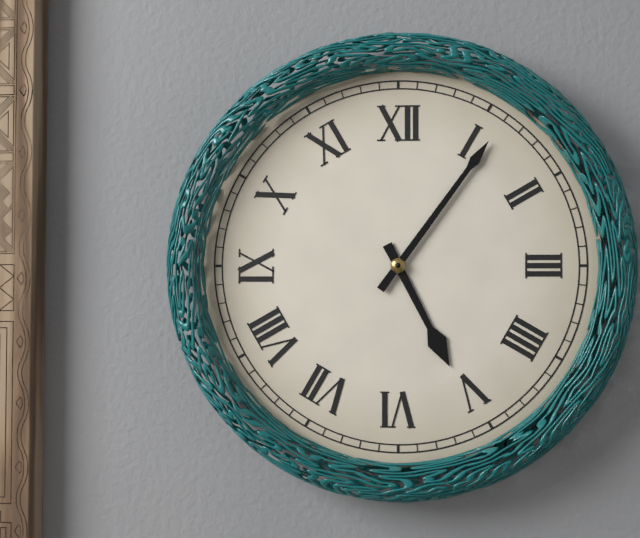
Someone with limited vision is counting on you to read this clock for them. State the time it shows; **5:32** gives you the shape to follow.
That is **5:06**
